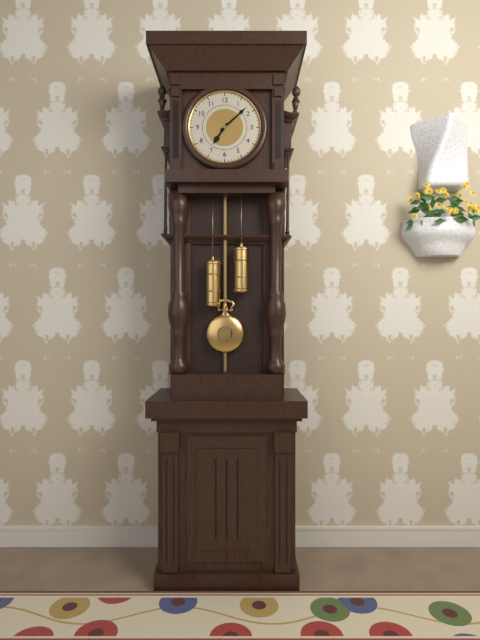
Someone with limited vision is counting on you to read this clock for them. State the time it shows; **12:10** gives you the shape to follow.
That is **7:08**
